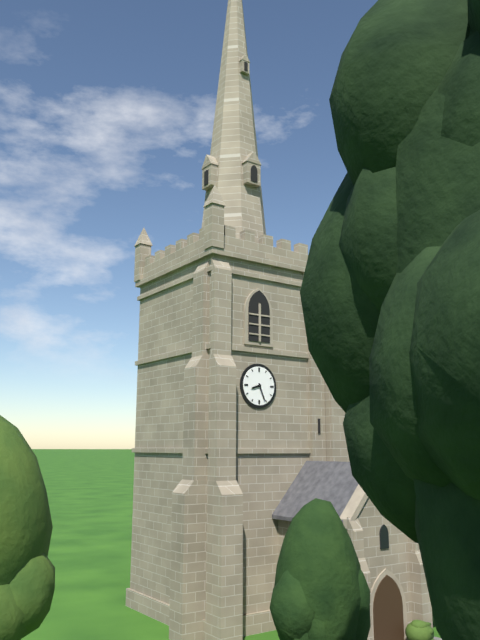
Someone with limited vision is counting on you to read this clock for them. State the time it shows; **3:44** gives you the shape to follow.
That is **8:26**
